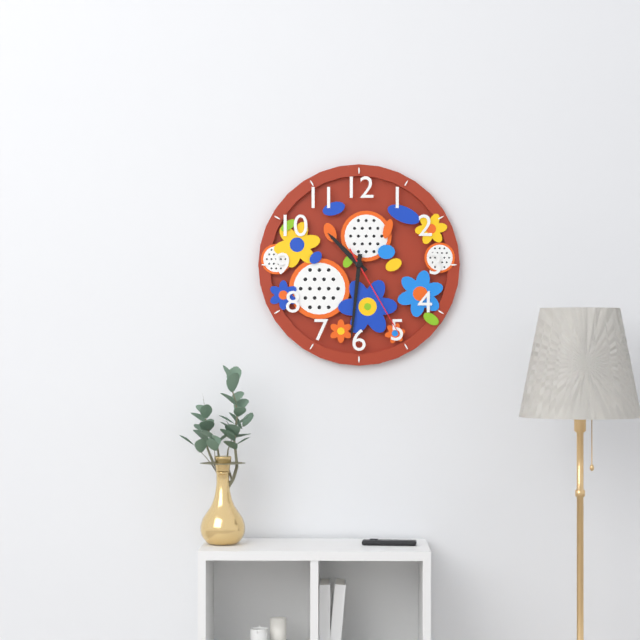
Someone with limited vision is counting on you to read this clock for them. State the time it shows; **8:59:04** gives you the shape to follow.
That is **10:31:25**
